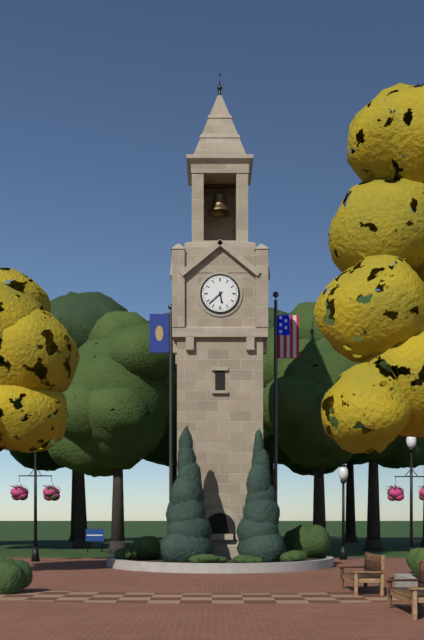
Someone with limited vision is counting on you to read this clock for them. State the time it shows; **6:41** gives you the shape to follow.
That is **5:38**
